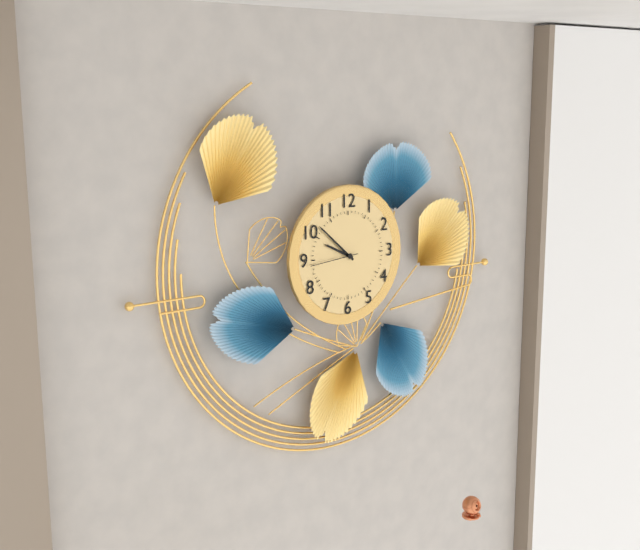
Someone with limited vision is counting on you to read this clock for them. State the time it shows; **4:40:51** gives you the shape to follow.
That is **9:52:44**
